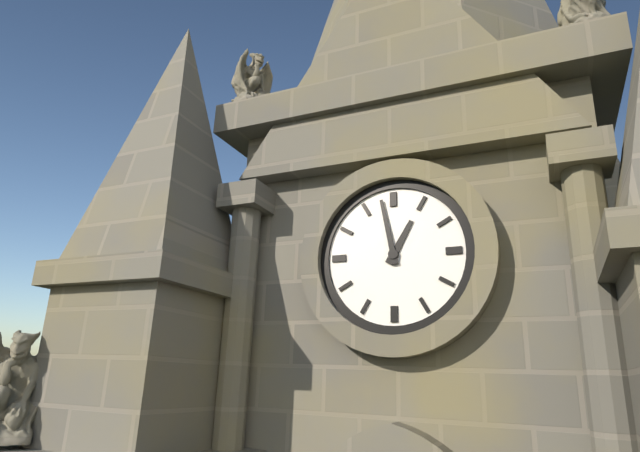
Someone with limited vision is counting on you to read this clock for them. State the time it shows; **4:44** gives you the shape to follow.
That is **12:58**
